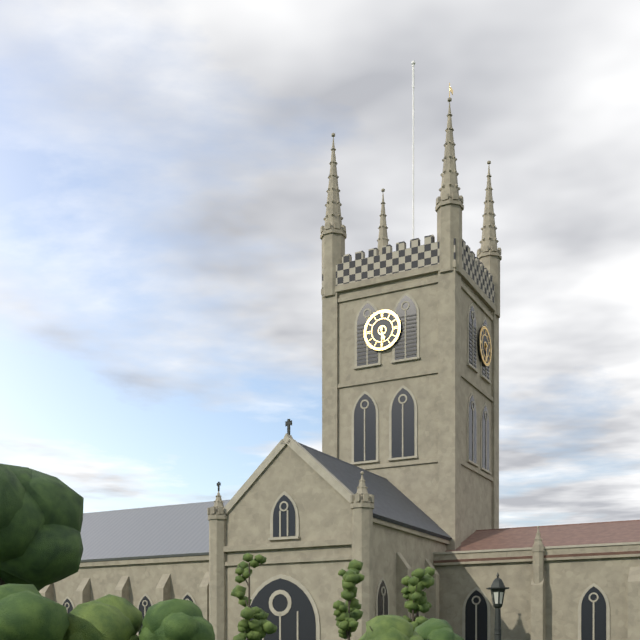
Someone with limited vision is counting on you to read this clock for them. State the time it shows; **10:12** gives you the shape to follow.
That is **5:30**
